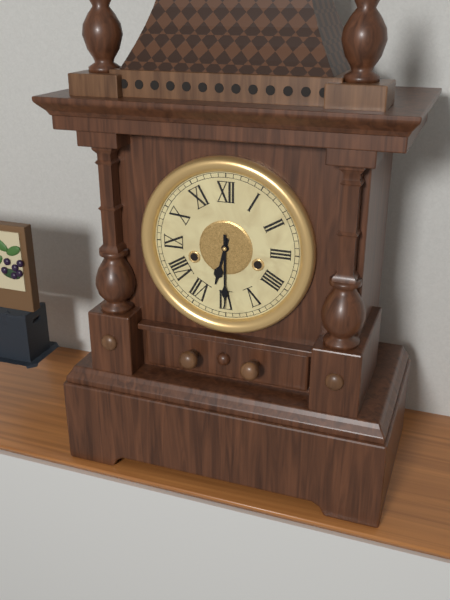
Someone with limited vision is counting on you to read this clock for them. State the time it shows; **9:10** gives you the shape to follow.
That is **6:30**
